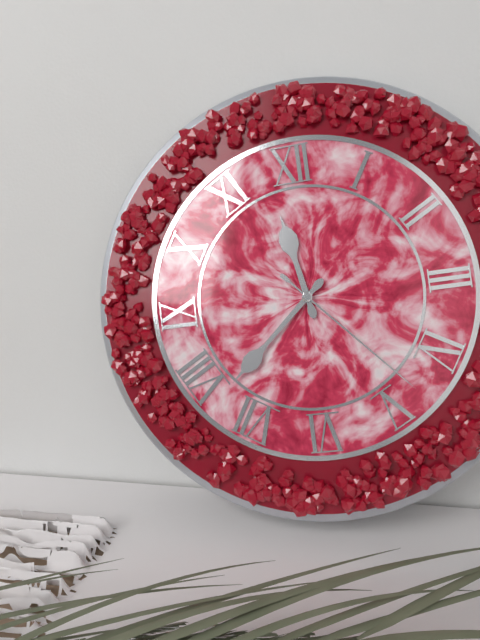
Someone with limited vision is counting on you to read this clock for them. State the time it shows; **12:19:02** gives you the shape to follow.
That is **11:38:23**
